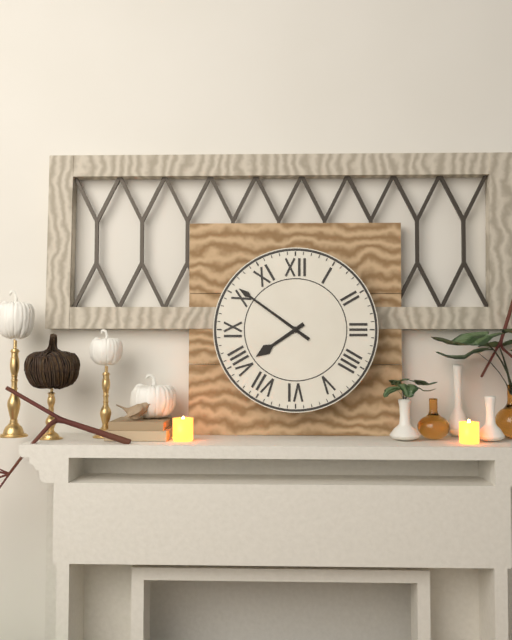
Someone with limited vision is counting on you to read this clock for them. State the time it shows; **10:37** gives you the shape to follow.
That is **7:51**
